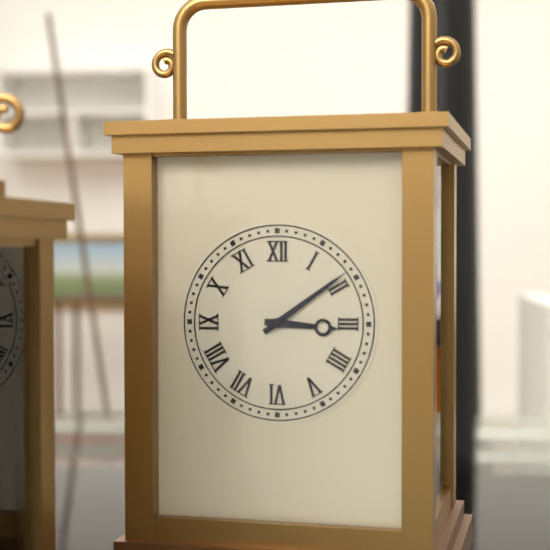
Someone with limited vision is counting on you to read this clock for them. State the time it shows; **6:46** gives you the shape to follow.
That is **3:09**
